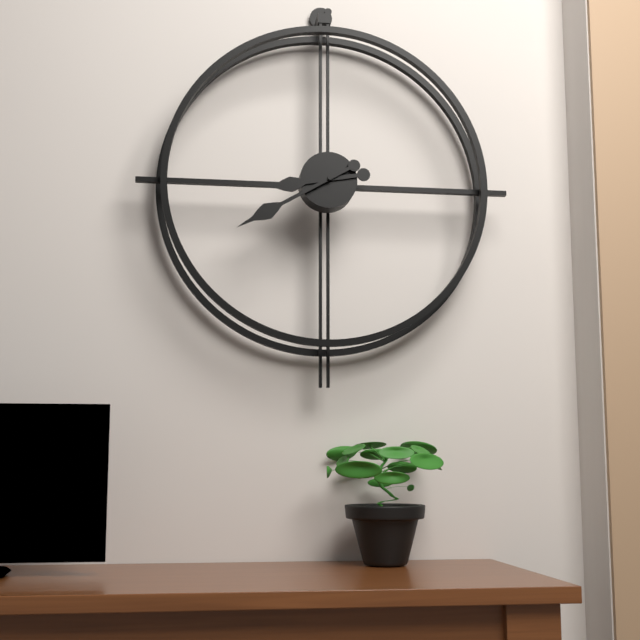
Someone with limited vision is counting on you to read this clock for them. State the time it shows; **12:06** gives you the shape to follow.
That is **8:40**
